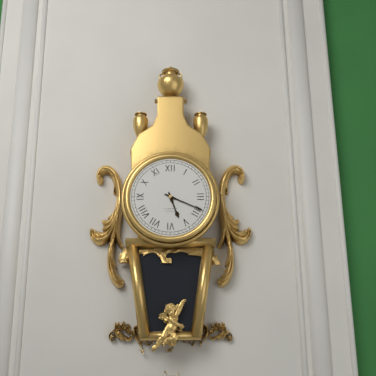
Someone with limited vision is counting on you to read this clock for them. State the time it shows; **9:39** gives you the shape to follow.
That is **5:19**
